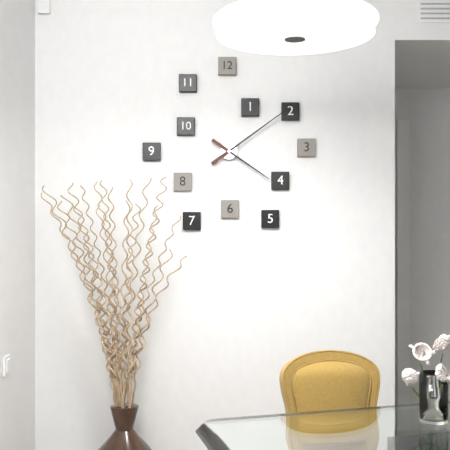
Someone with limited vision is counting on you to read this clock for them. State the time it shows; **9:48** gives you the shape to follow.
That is **4:09**
